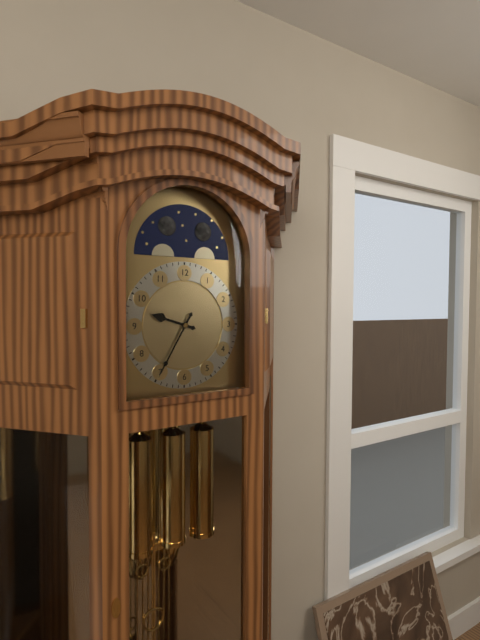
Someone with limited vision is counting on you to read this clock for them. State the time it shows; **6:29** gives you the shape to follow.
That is **9:35**
